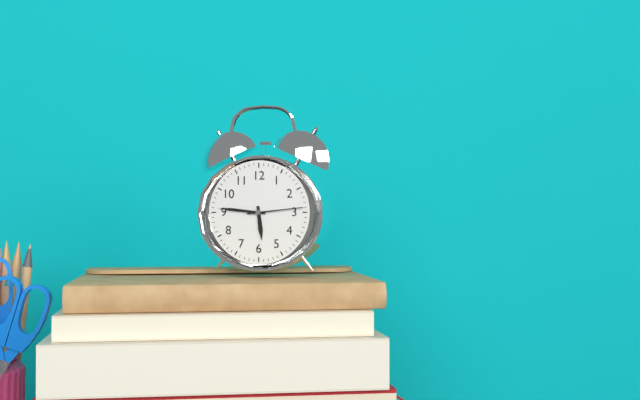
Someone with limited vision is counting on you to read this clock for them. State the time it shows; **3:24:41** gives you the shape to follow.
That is **5:46:14**
